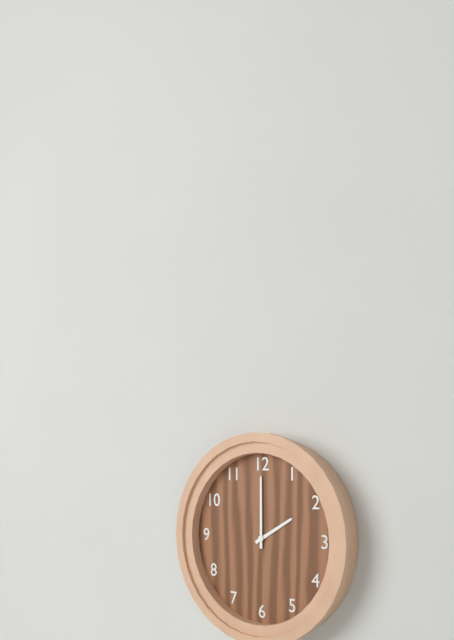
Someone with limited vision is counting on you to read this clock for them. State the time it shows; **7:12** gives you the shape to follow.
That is **2:00**
